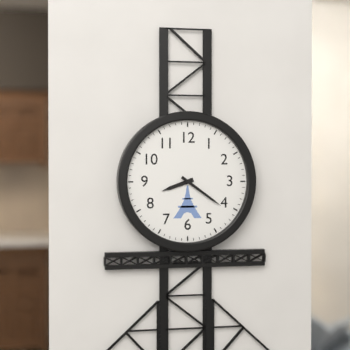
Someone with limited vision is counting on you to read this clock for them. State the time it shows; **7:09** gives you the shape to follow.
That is **8:21**
